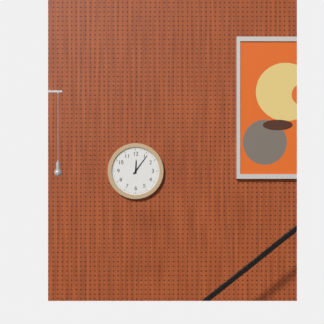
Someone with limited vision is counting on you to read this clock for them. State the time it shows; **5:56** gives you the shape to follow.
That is **12:06**
